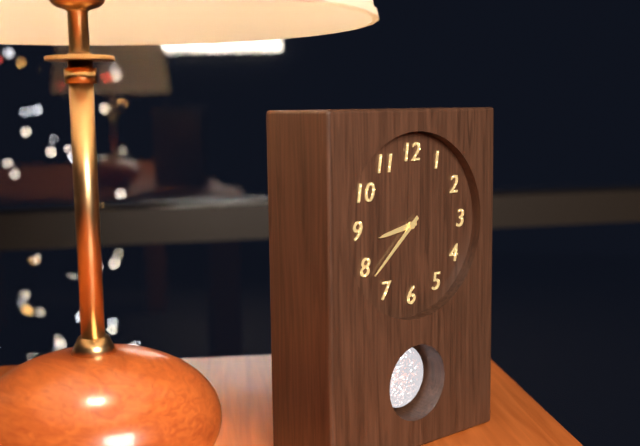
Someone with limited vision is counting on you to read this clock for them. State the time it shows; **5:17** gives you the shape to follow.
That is **8:38**
